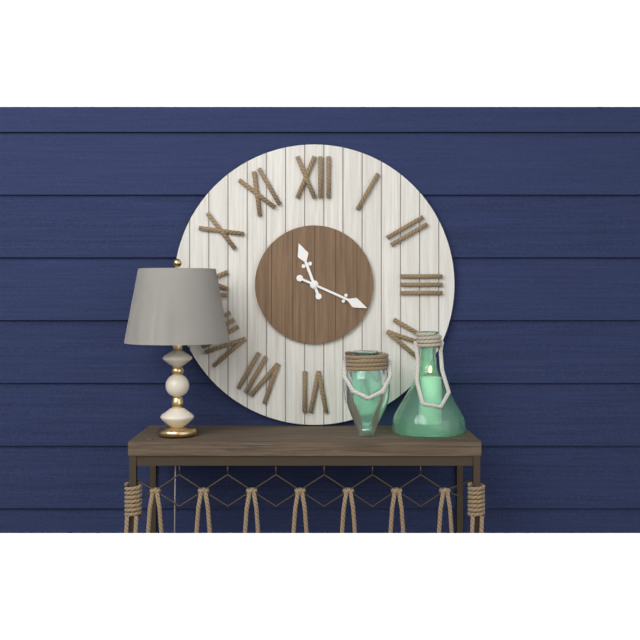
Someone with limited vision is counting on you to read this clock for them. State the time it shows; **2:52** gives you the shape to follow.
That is **11:19**
